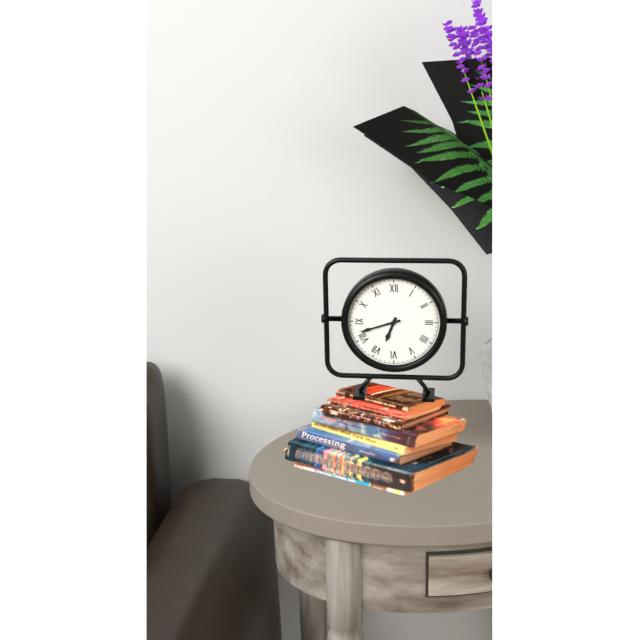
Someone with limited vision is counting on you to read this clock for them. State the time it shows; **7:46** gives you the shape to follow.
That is **6:42**
